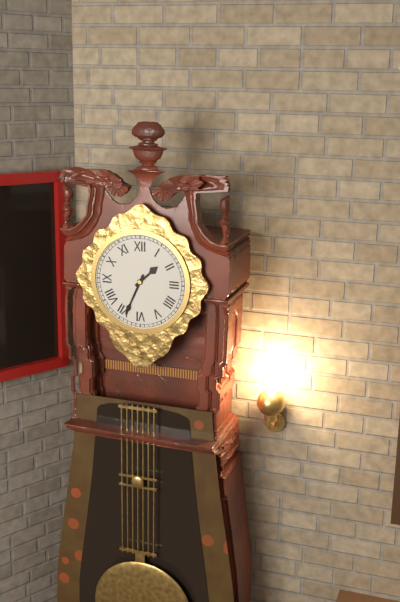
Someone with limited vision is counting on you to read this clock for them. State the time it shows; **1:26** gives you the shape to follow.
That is **1:34**
